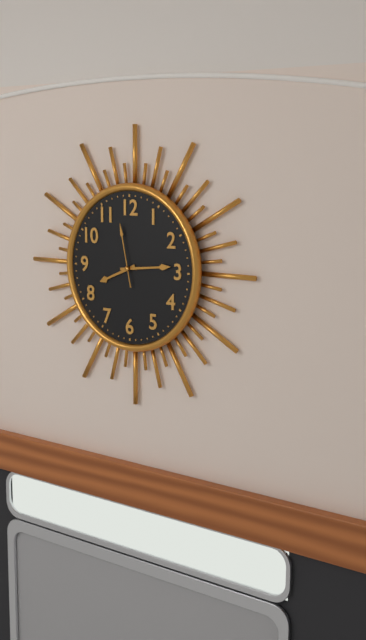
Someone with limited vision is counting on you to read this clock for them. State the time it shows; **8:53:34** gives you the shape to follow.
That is **8:14:58**
